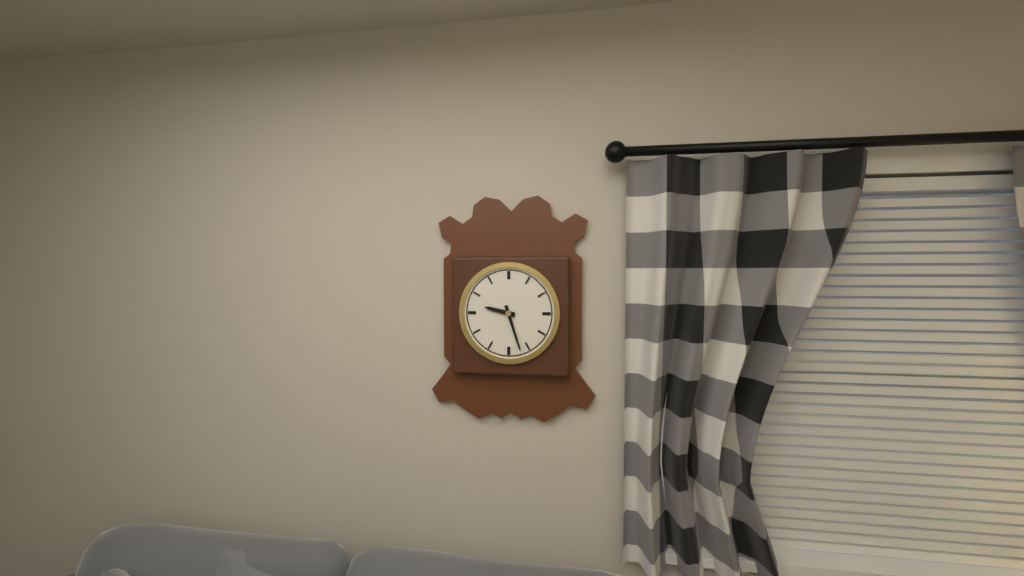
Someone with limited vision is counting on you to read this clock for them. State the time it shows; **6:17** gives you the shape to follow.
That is **9:27**
